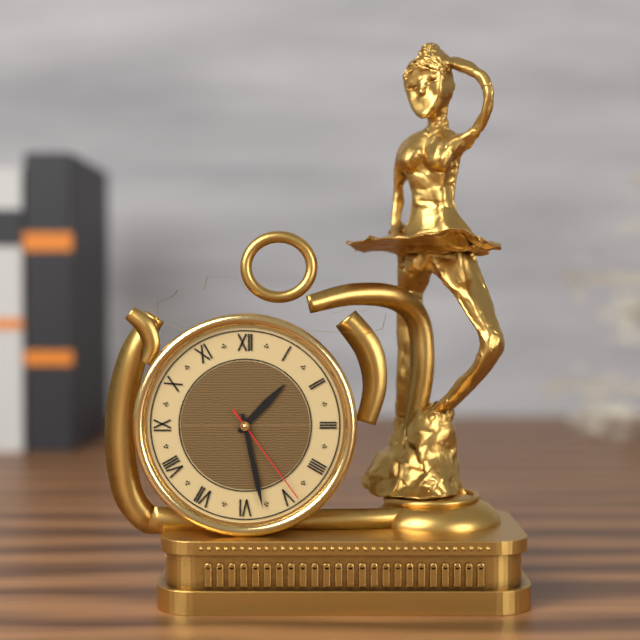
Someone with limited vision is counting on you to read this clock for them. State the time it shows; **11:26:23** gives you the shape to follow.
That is **1:28:24**
